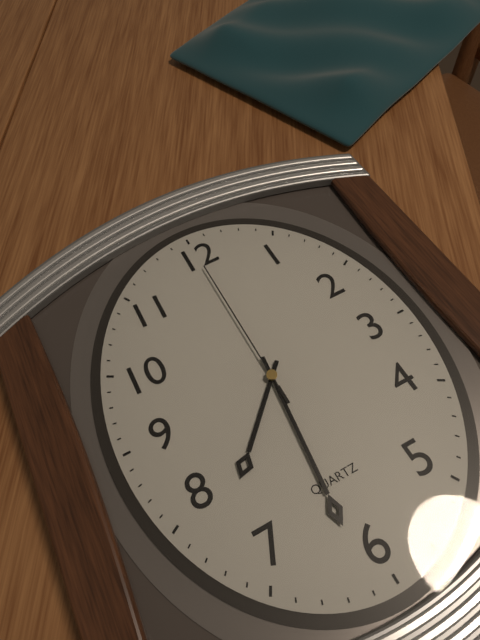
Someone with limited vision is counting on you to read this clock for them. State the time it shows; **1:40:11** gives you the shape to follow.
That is **7:31:00**
